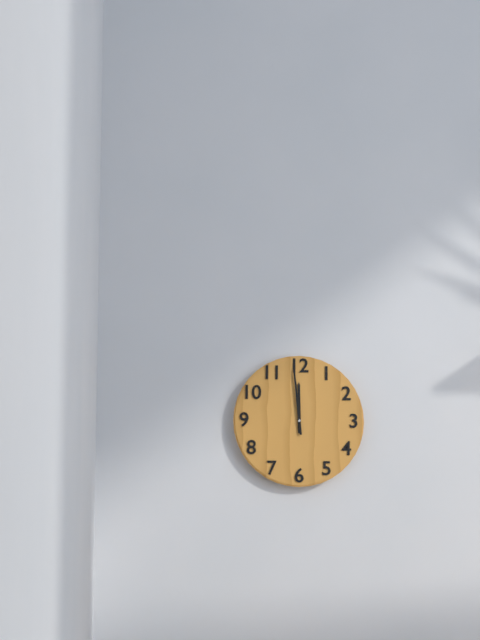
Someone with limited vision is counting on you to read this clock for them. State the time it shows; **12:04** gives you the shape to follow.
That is **11:59**
